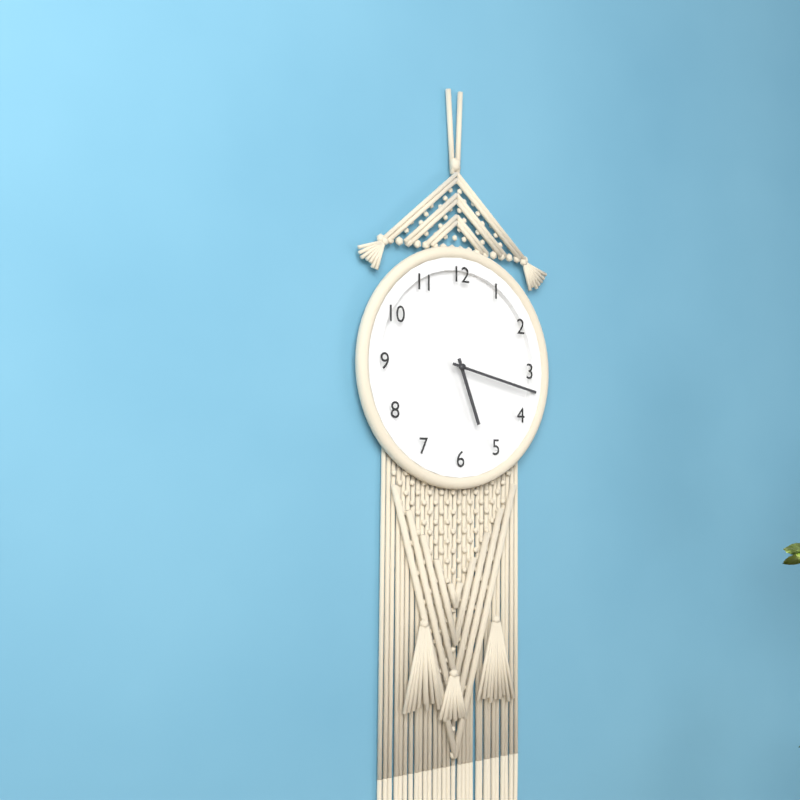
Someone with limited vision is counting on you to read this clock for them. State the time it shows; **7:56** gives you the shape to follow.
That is **5:17**
